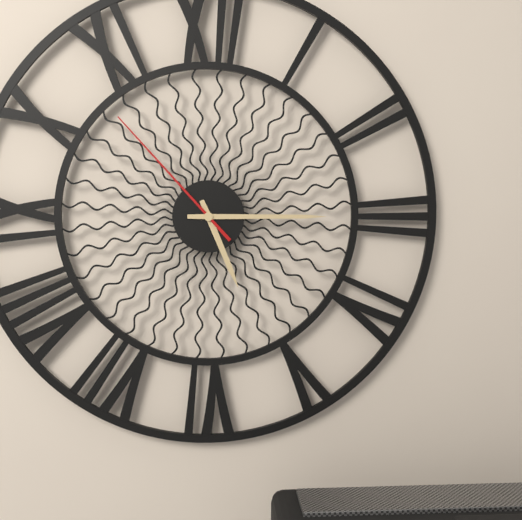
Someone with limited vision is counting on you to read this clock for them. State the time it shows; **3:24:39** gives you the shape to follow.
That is **5:15:53**
